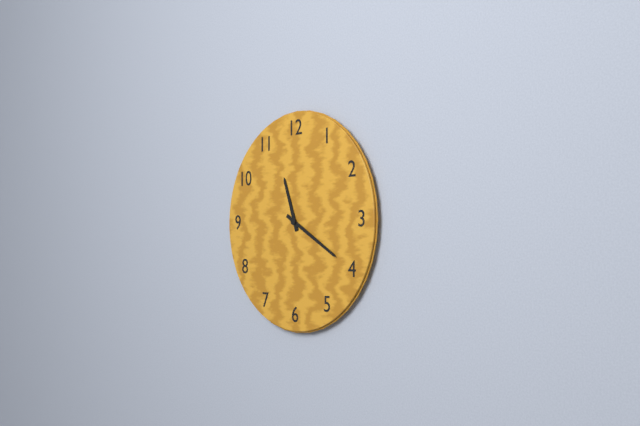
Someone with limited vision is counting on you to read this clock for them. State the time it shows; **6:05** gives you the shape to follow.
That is **11:20**
